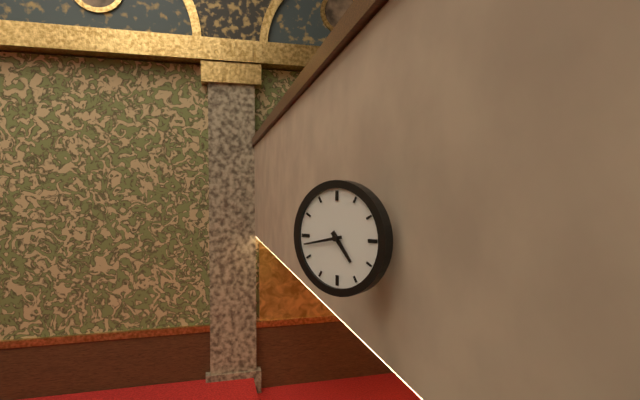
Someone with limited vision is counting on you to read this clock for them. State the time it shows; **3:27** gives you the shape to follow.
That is **4:43**
